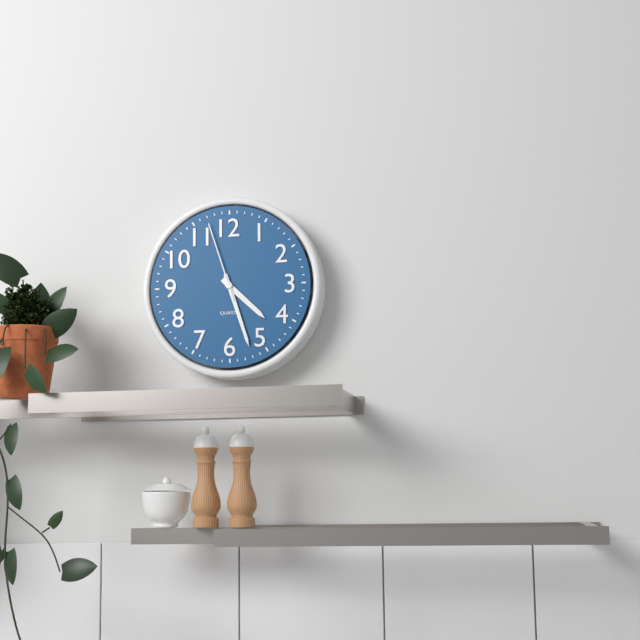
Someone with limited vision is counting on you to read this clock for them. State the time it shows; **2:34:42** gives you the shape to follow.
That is **4:27:57**
